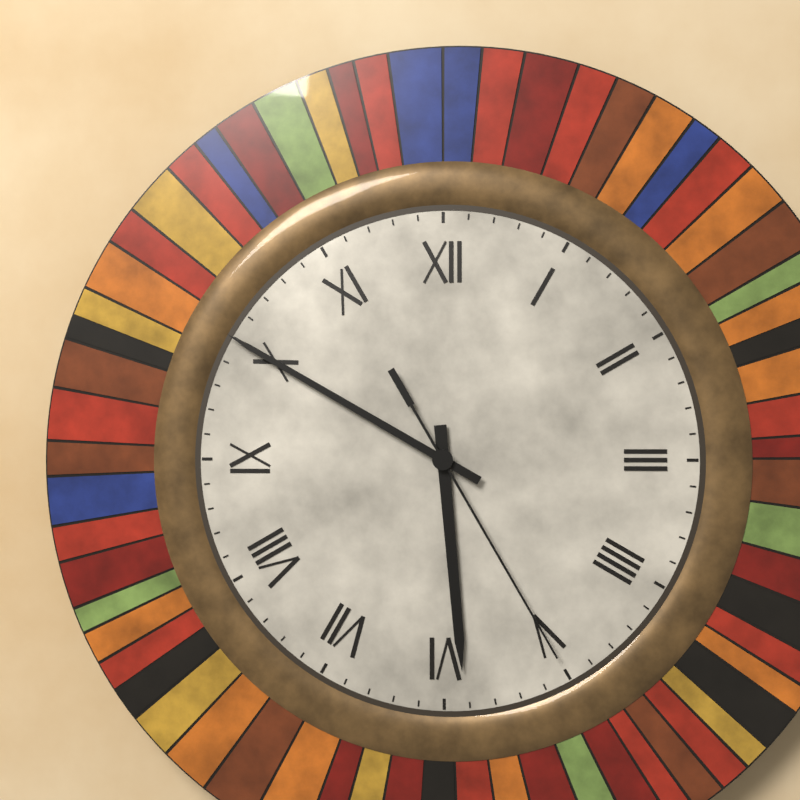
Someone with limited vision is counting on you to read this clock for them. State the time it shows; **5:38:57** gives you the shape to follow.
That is **5:50:25**
